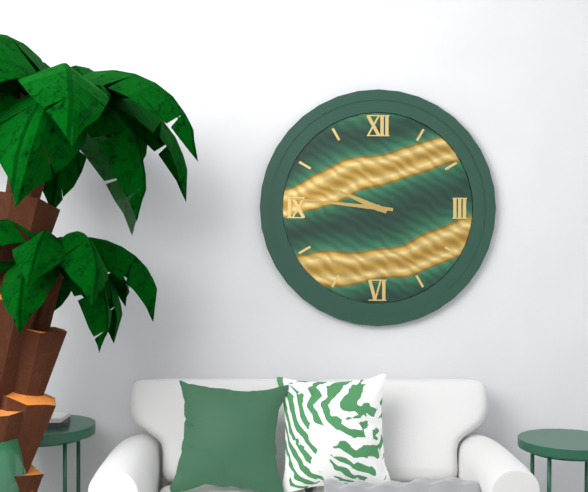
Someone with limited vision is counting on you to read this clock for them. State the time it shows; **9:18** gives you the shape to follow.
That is **9:46**
